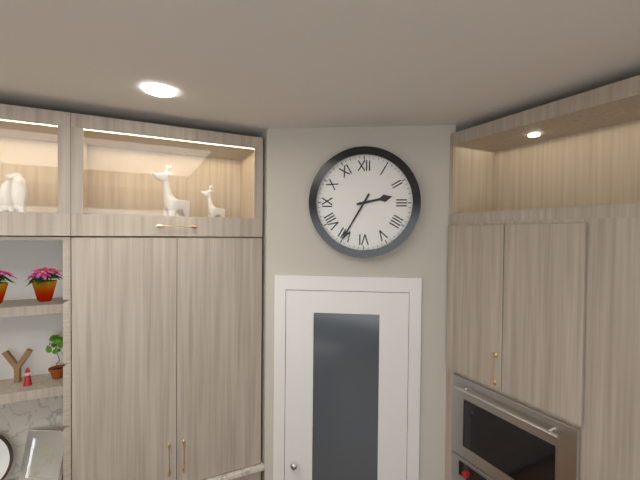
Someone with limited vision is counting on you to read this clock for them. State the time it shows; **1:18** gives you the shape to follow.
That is **2:35**
